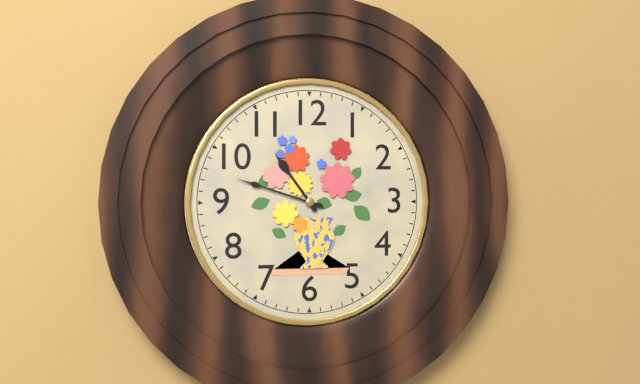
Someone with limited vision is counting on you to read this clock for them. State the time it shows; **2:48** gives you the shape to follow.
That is **10:48**
